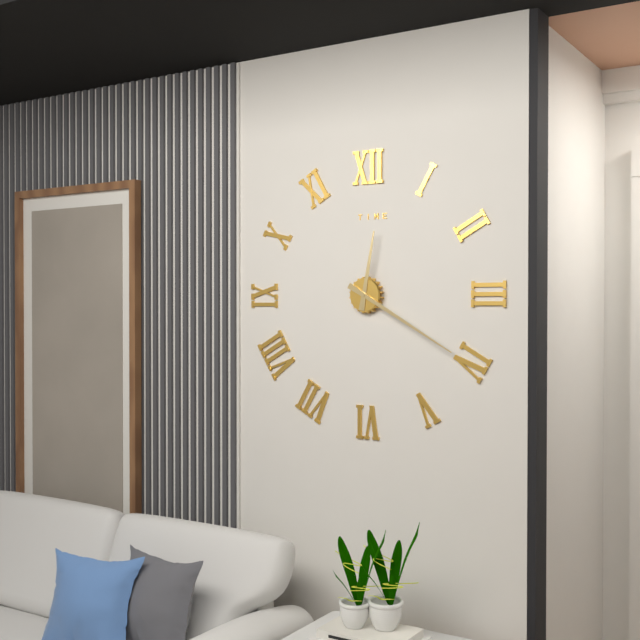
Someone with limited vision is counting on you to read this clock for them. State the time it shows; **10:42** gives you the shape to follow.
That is **12:20**
